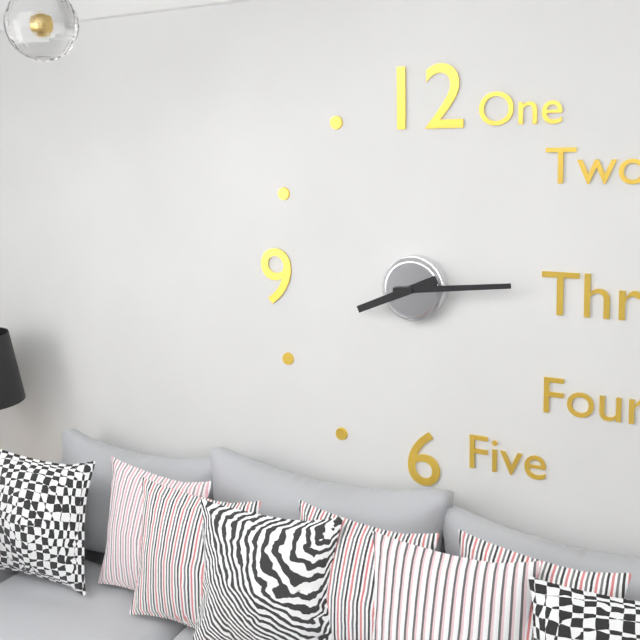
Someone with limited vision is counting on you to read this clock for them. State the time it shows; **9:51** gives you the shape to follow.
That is **8:14**
